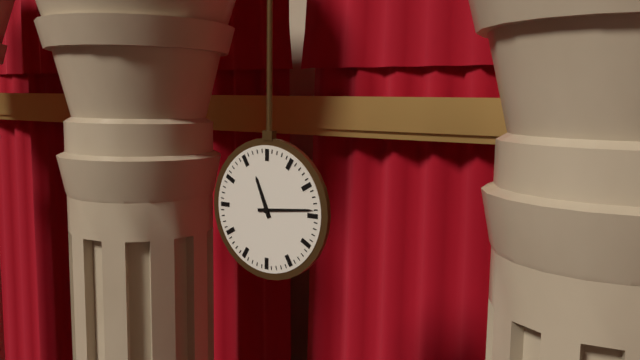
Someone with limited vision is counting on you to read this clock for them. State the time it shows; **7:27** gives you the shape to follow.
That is **11:14**
